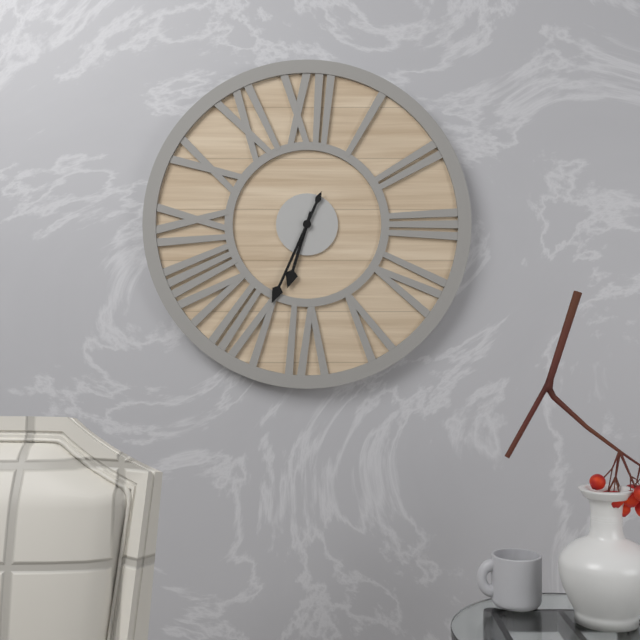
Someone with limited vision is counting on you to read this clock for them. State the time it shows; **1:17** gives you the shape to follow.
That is **6:34**
